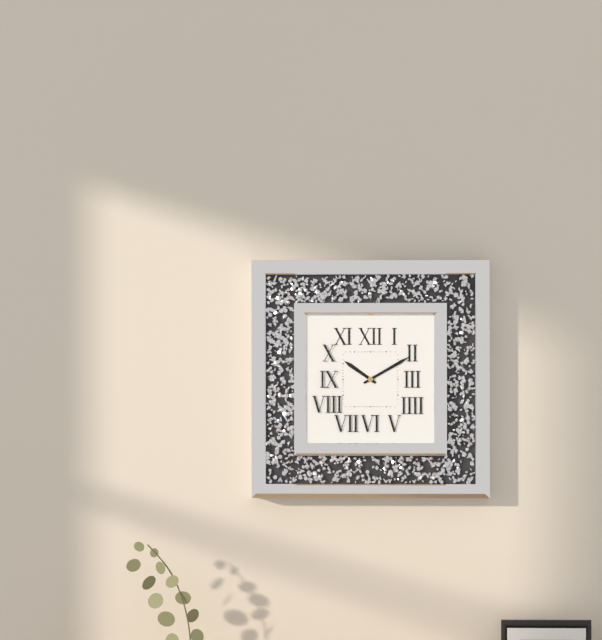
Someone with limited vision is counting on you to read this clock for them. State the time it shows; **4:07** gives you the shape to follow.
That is **10:10**
